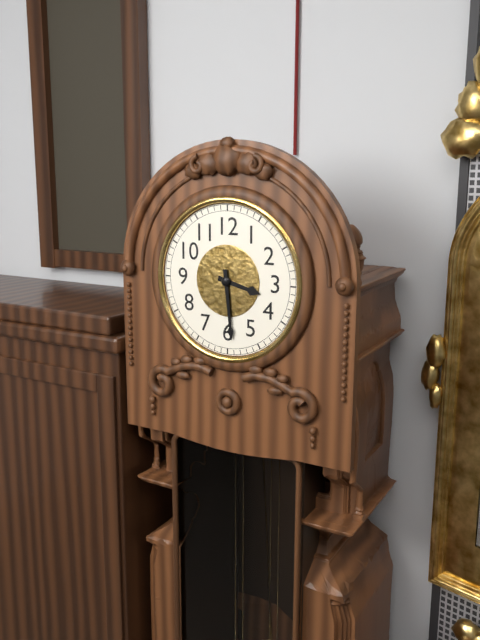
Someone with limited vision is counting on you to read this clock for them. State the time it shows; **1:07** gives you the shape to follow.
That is **3:29**
